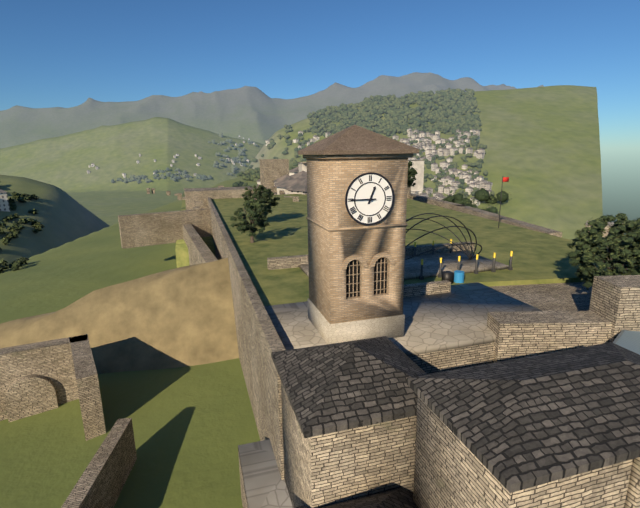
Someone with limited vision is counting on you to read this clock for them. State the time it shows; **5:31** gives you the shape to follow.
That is **12:45**
